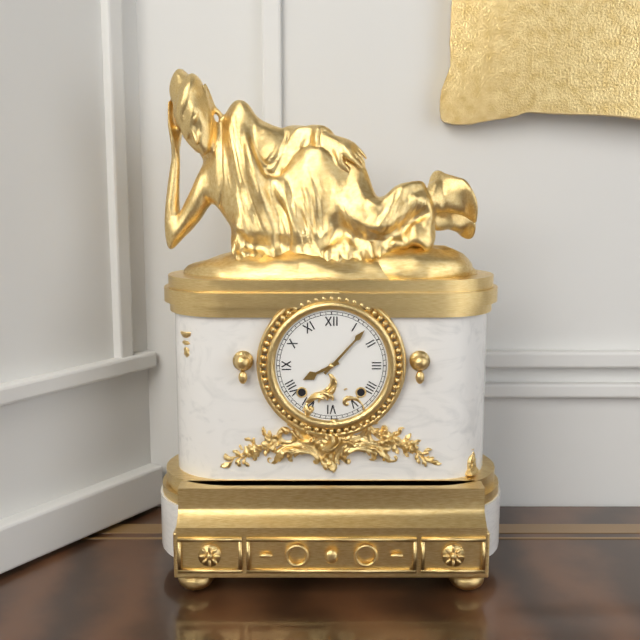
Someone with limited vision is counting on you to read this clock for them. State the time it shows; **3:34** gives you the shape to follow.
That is **8:07**
